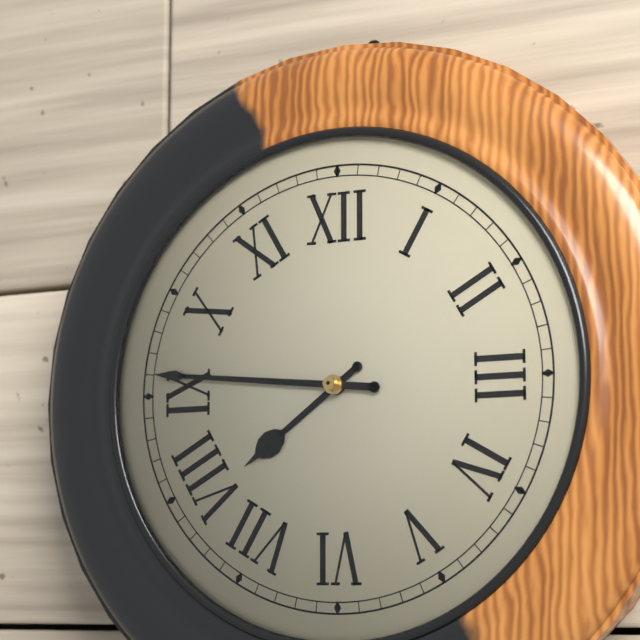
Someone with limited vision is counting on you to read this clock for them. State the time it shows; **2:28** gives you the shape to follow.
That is **7:46**
